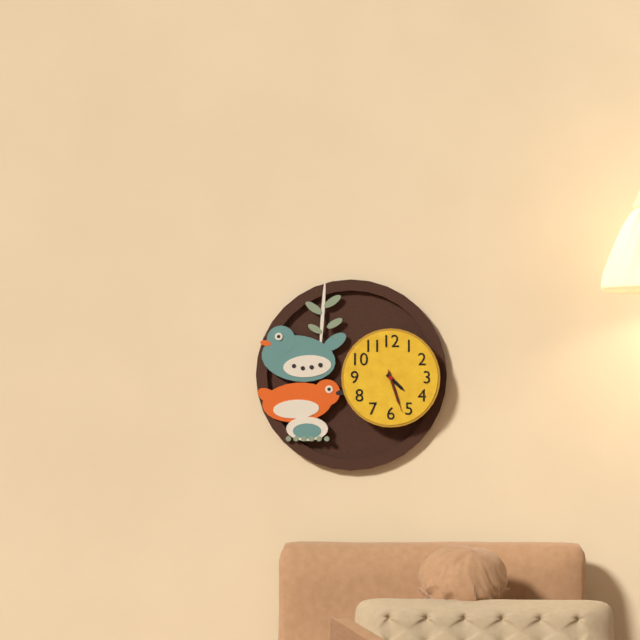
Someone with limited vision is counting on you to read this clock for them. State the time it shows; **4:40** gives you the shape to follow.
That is **4:27**
